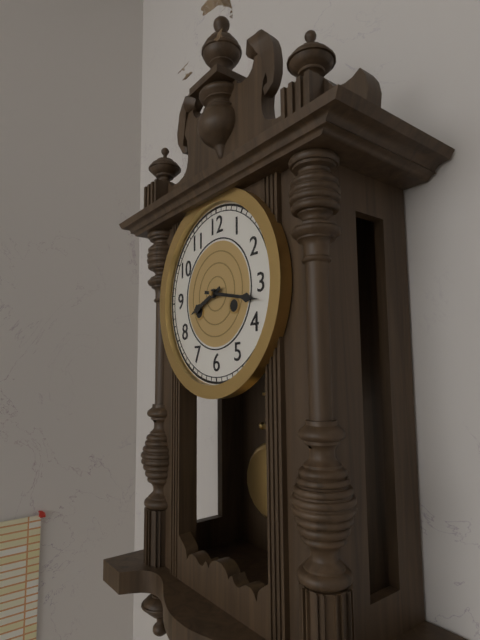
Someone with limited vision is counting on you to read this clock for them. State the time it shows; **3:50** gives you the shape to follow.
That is **8:17**
